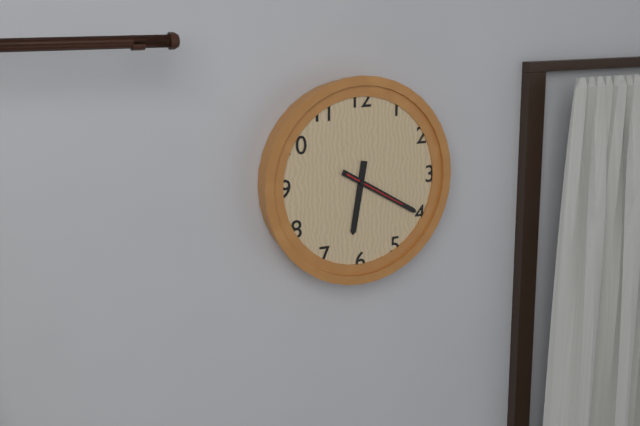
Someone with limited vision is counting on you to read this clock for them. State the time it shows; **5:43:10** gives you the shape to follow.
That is **6:20:20**
